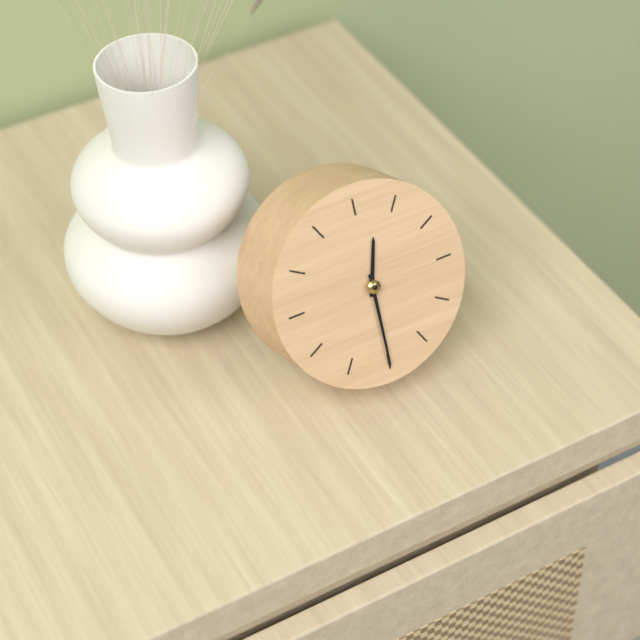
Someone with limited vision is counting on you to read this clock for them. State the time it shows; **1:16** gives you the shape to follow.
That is **12:30**
